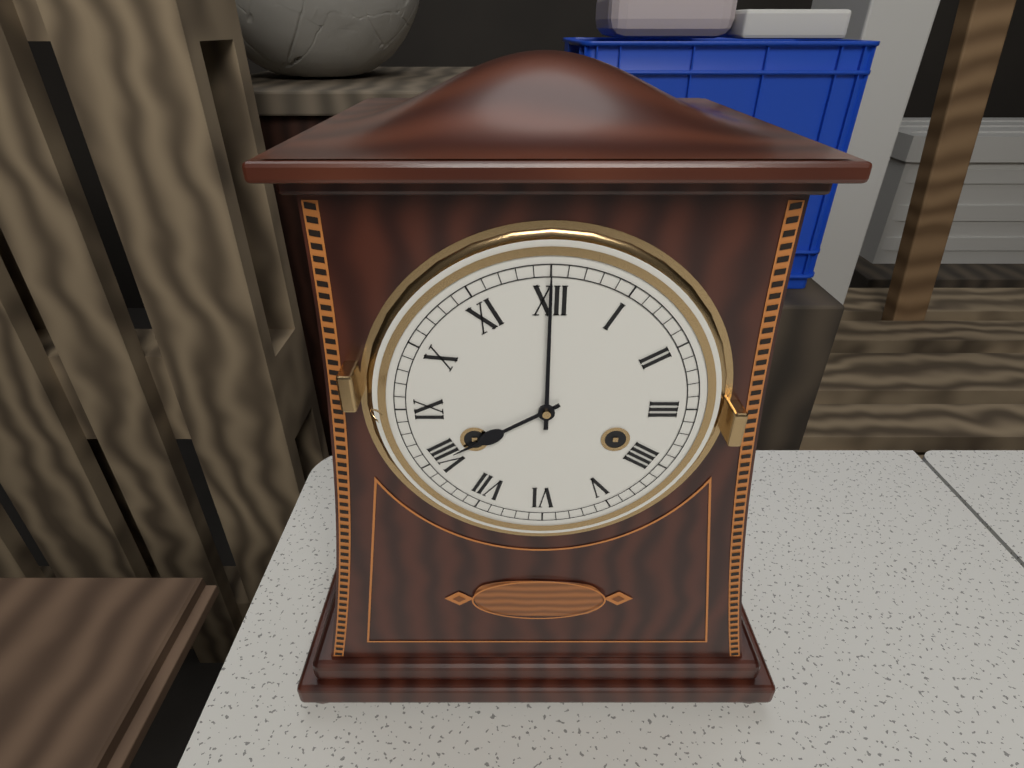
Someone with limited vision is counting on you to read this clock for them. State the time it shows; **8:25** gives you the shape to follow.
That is **8:00**
